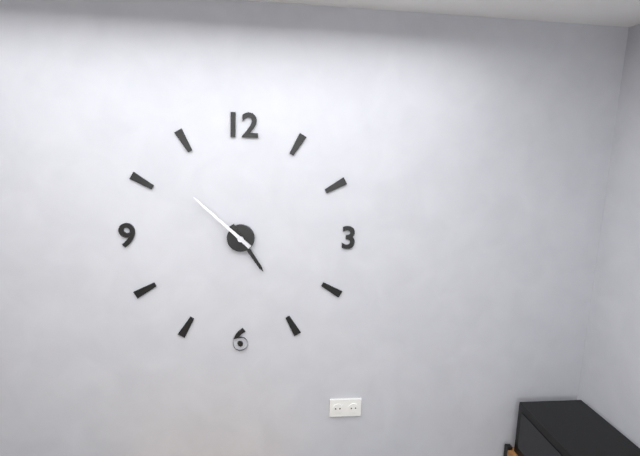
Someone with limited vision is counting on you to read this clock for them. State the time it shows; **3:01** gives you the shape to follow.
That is **4:52**
